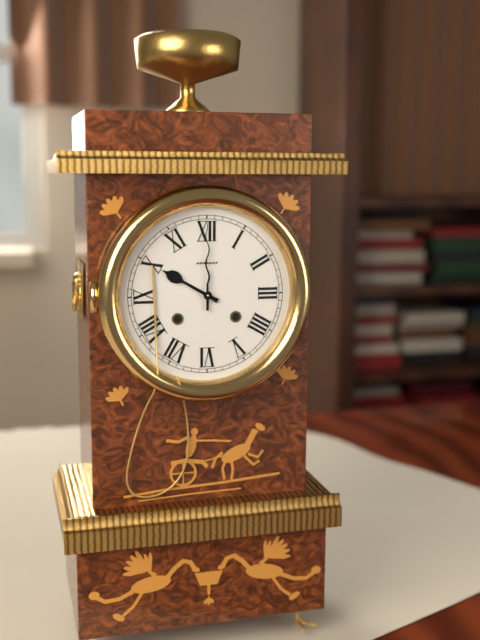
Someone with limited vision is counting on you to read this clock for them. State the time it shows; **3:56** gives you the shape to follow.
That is **10:00**
